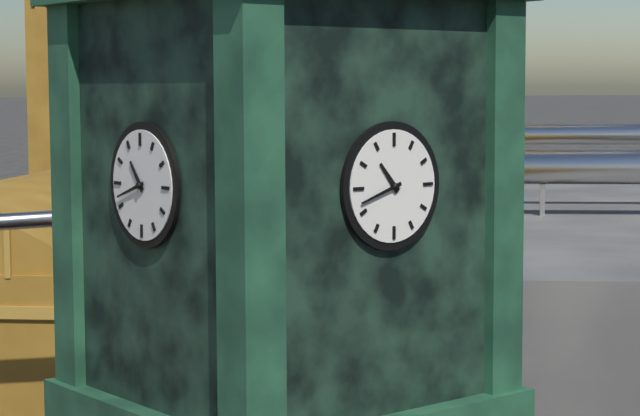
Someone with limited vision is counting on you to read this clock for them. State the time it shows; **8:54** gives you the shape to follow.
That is **10:42**
